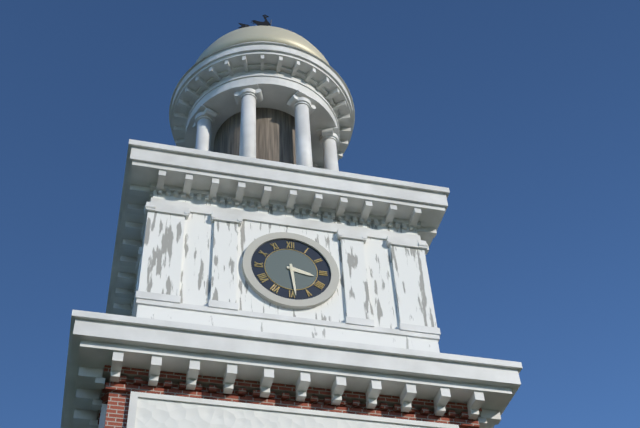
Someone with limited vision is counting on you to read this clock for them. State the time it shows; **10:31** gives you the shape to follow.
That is **3:29**
